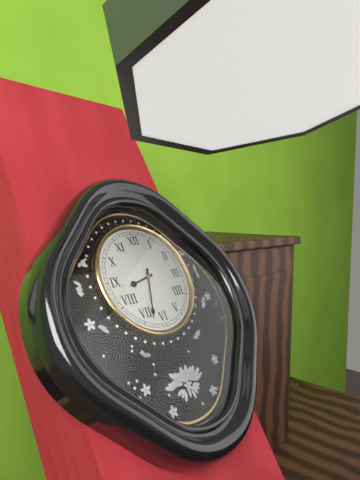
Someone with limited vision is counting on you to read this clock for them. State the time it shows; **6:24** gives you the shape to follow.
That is **8:33**
